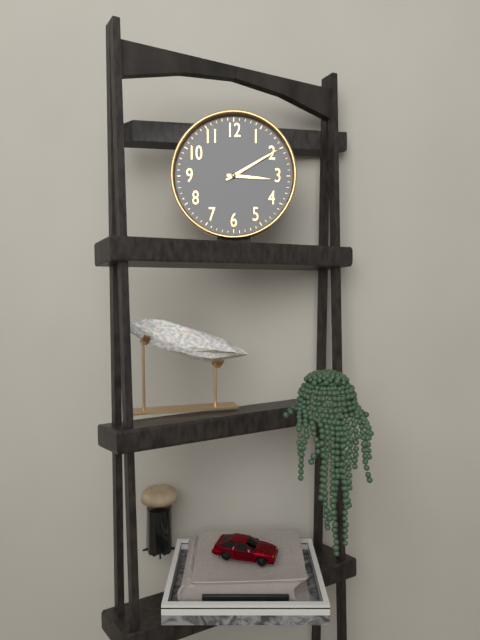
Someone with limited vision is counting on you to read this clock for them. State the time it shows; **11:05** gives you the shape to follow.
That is **3:10**
